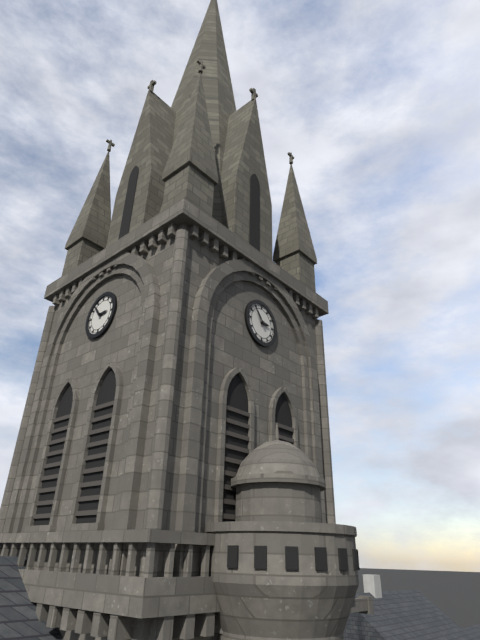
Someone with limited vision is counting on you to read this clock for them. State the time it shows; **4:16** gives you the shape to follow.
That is **2:53**
